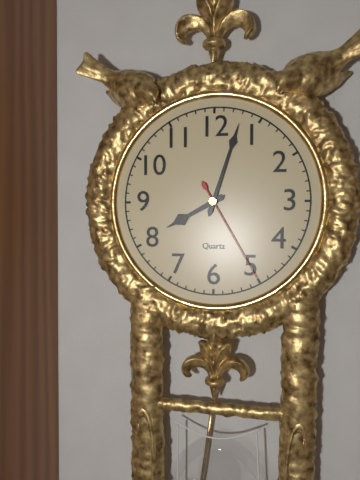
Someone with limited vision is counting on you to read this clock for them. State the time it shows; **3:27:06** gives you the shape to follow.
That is **8:03:25**
